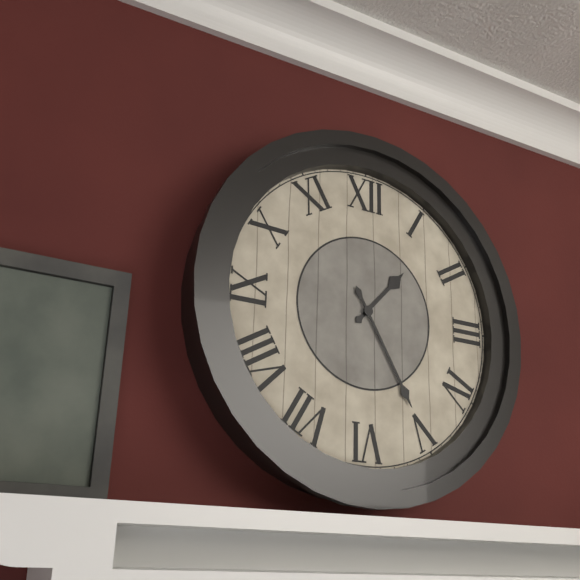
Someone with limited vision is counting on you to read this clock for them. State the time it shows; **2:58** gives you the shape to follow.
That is **1:25**
